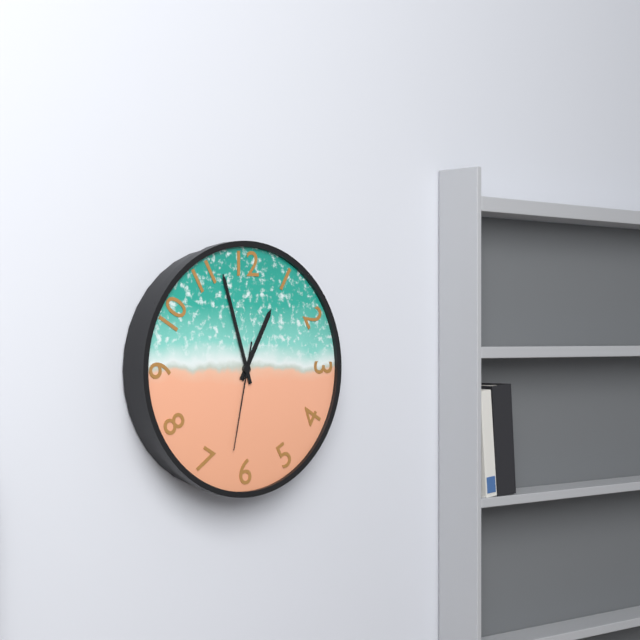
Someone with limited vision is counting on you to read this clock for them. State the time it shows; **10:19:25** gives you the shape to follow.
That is **12:57:32**
